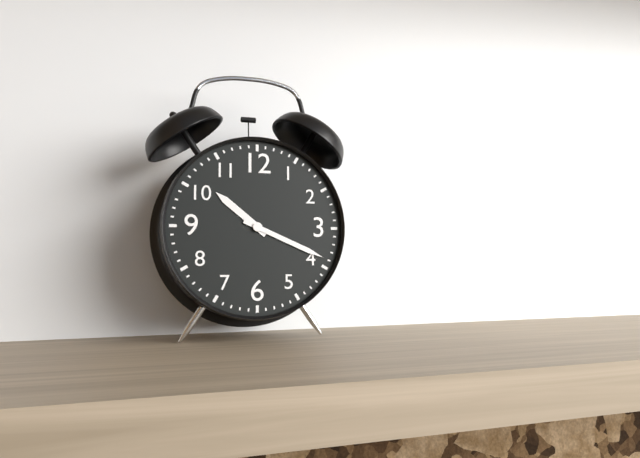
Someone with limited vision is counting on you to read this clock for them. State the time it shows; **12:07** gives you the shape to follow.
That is **10:19**
